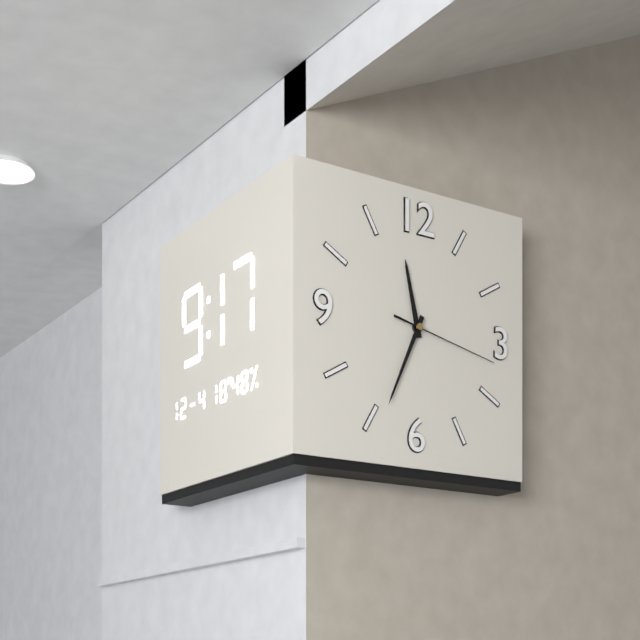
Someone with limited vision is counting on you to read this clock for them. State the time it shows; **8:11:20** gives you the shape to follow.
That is **11:34:17**
